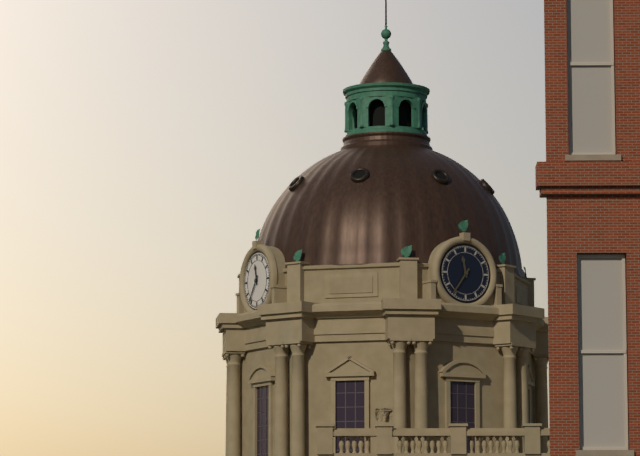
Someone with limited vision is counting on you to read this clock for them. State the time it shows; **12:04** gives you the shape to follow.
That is **11:36**
